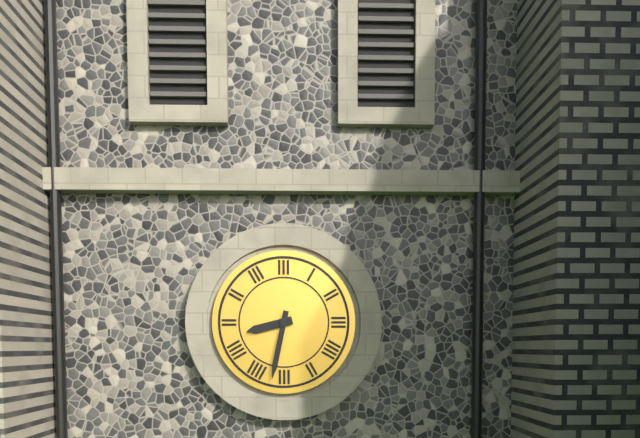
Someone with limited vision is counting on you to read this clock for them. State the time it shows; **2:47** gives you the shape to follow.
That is **8:32**
